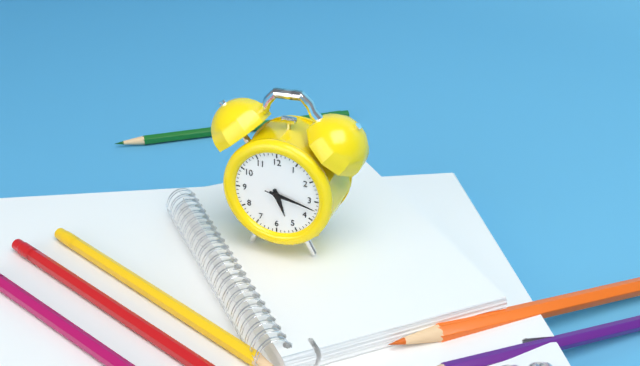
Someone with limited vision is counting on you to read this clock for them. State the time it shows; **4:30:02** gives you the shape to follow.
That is **5:17:17**
